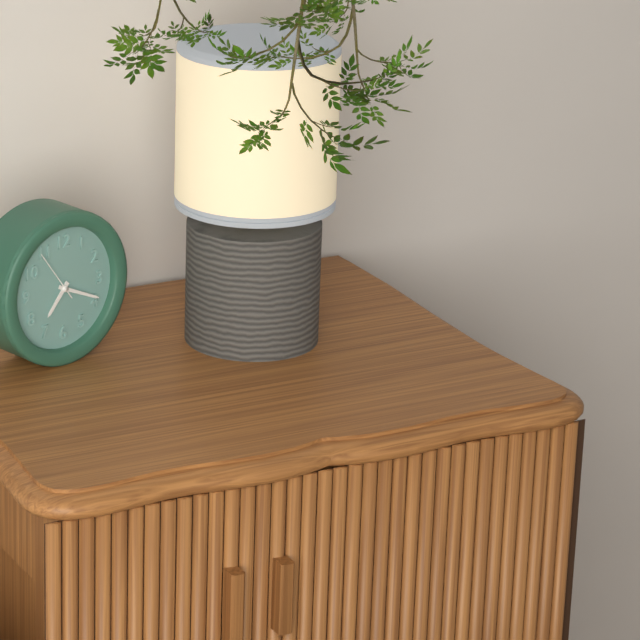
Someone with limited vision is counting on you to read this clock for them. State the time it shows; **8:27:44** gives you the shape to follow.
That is **7:19:54**
